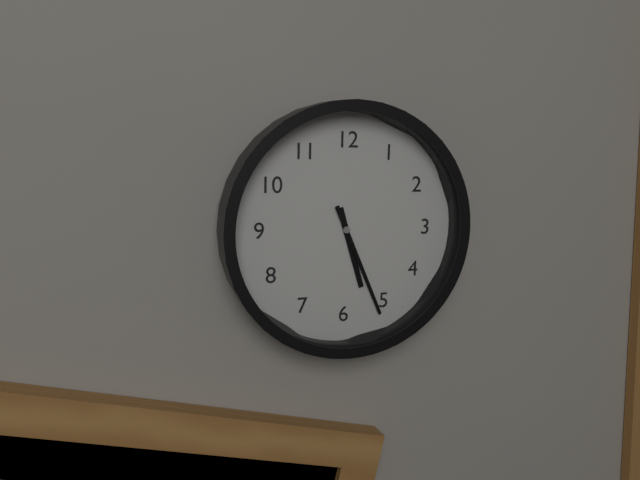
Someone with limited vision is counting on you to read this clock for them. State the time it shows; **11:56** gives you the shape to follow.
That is **5:26**
